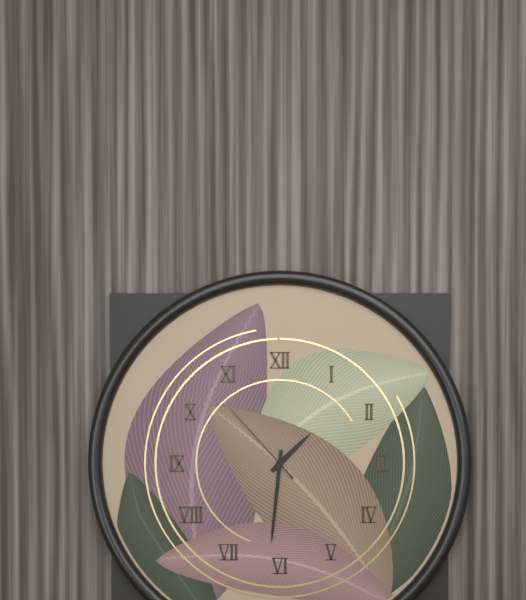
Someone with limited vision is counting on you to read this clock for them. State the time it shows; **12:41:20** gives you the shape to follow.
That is **1:31:53**
